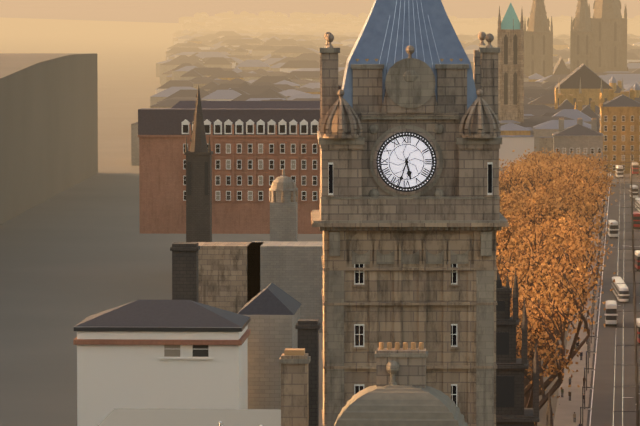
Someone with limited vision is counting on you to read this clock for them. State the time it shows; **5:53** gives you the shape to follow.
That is **5:33**
